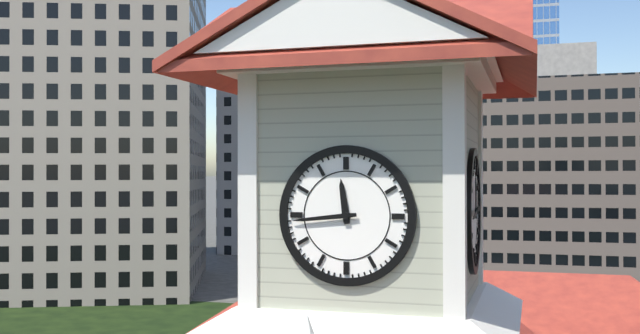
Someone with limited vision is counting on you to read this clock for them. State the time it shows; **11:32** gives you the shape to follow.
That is **11:44**
